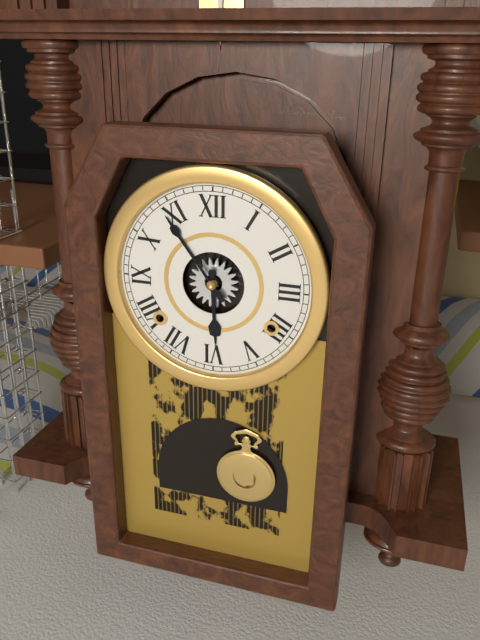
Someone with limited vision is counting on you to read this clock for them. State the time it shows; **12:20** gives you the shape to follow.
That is **5:54**
